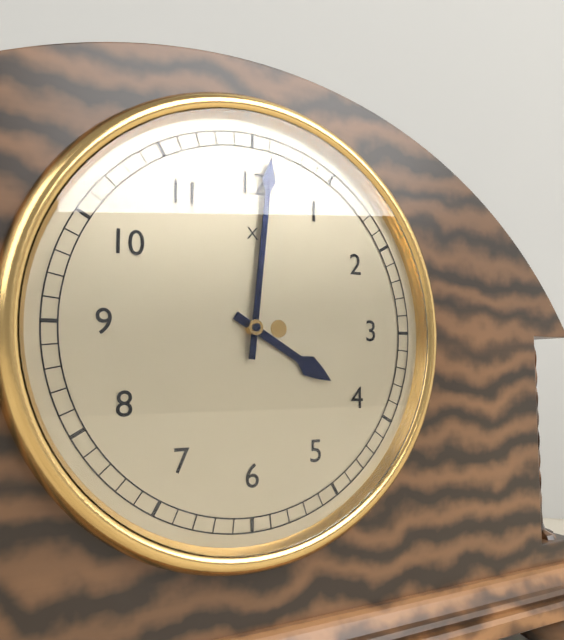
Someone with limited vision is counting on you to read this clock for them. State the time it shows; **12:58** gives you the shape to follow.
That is **4:01**
